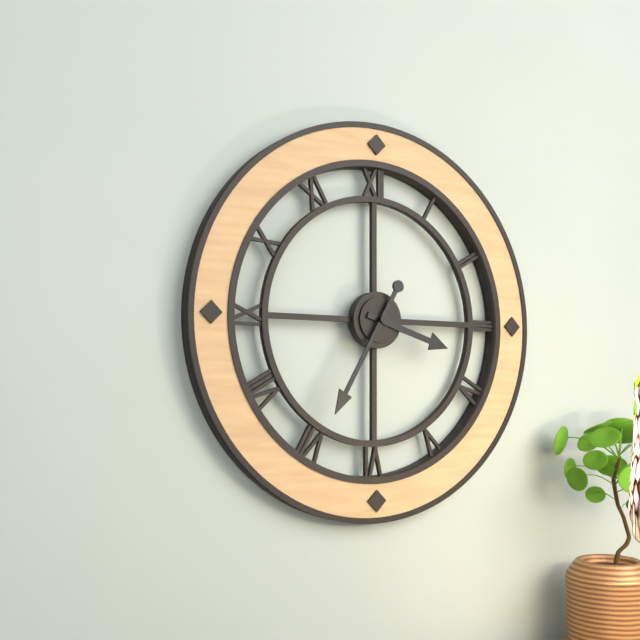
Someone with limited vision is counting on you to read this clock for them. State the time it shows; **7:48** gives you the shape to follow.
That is **3:35**
